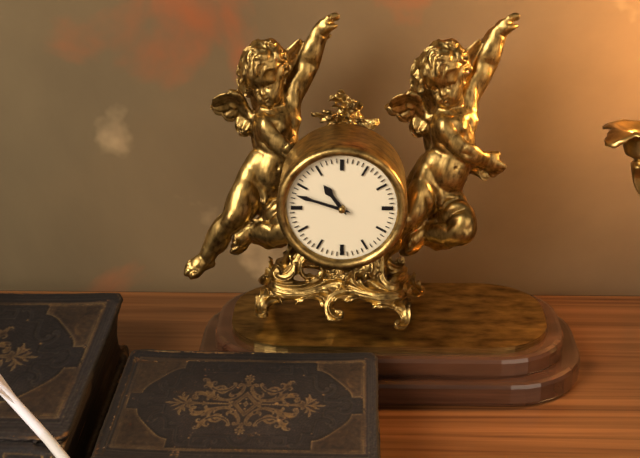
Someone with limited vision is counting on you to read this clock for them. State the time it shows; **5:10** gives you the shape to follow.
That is **10:48**
